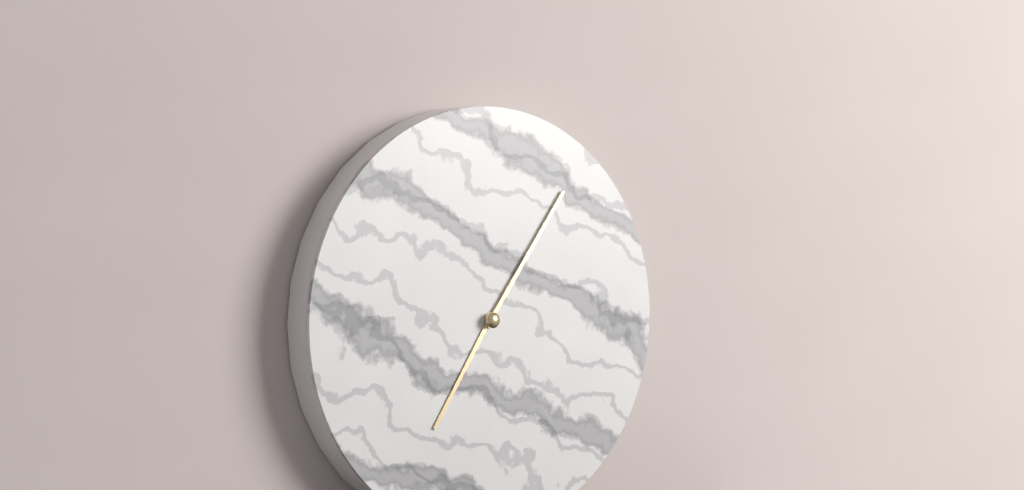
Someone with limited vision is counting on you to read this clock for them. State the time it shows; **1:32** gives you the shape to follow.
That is **7:06**
